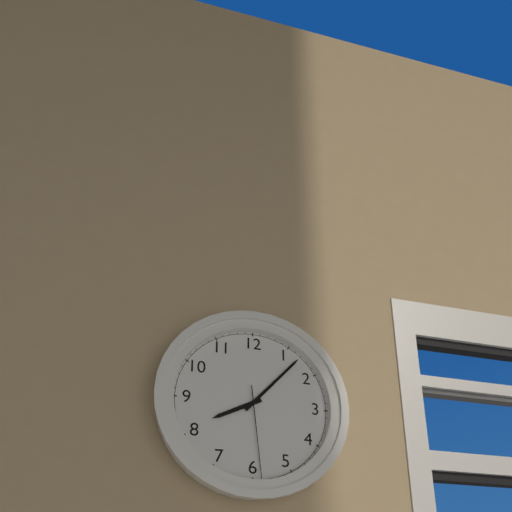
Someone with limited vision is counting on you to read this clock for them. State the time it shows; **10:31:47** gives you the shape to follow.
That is **8:07:29**
